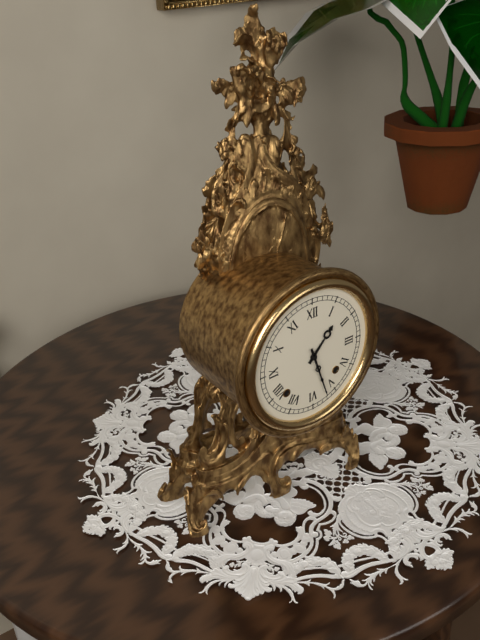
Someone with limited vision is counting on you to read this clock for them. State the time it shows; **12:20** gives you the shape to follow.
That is **1:27**
